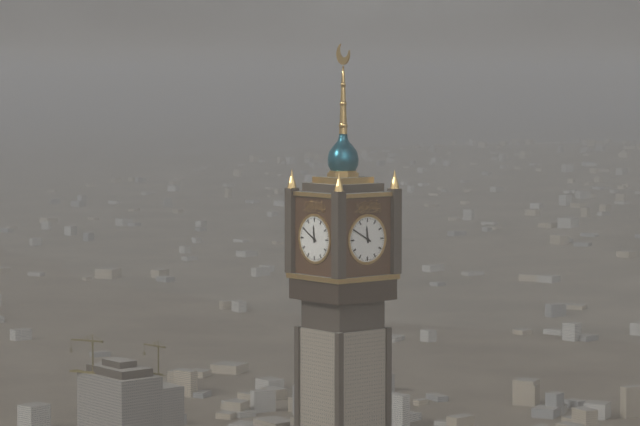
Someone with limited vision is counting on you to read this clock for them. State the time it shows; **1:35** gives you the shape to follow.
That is **11:50**
